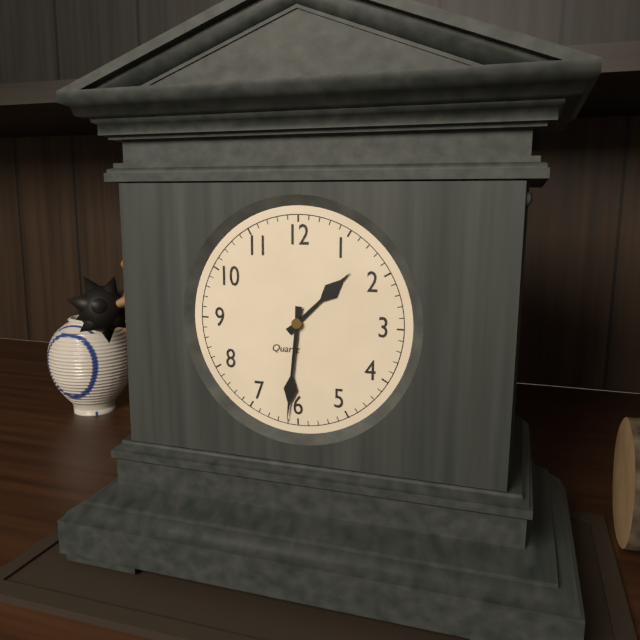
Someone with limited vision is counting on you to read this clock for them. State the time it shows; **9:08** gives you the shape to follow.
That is **1:31**
